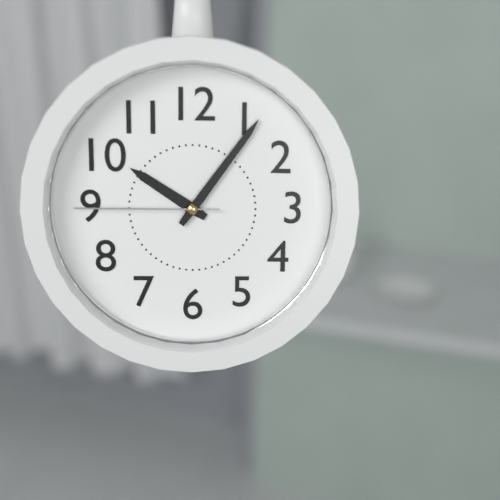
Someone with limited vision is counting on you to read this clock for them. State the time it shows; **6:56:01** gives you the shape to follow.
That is **10:06:45**
